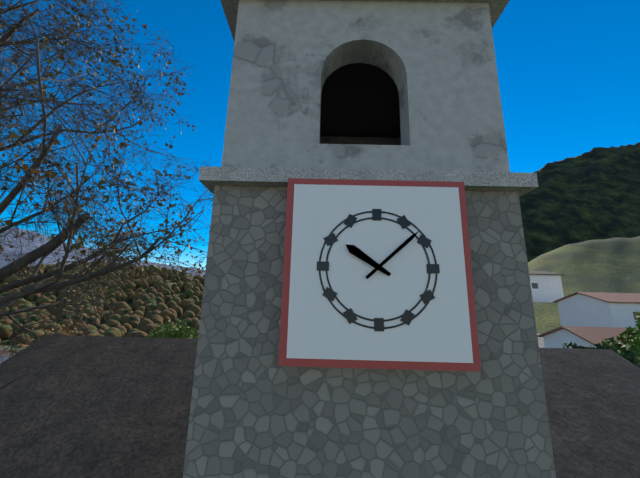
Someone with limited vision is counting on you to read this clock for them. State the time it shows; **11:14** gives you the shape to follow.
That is **10:08**
